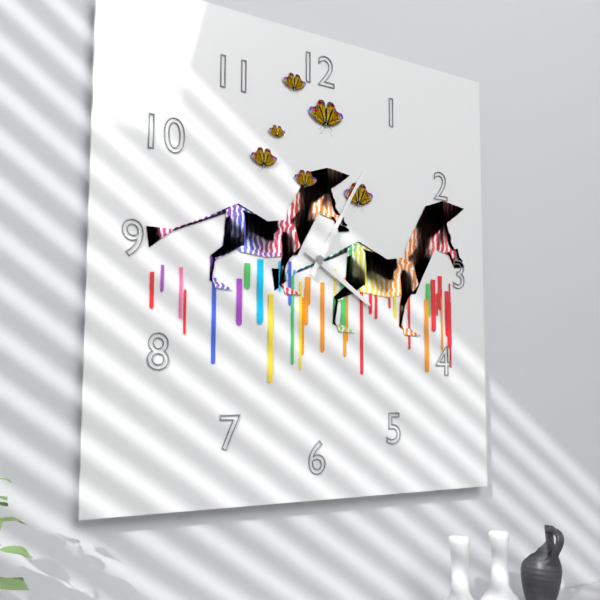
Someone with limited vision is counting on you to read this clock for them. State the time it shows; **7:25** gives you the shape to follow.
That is **4:05**
